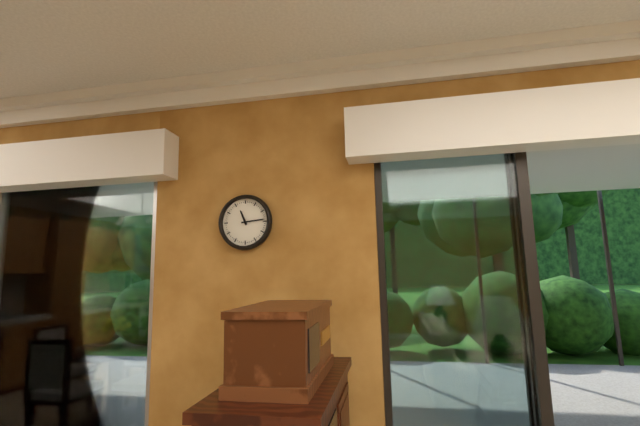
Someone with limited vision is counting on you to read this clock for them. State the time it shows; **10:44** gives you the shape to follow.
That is **11:14**
